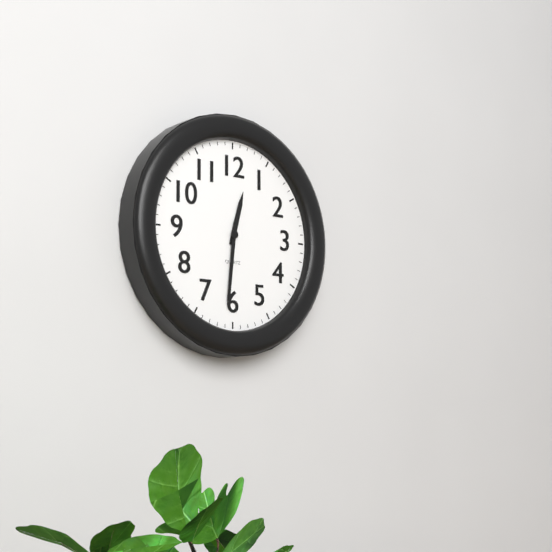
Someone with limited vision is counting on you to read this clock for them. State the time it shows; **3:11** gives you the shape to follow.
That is **12:31**
